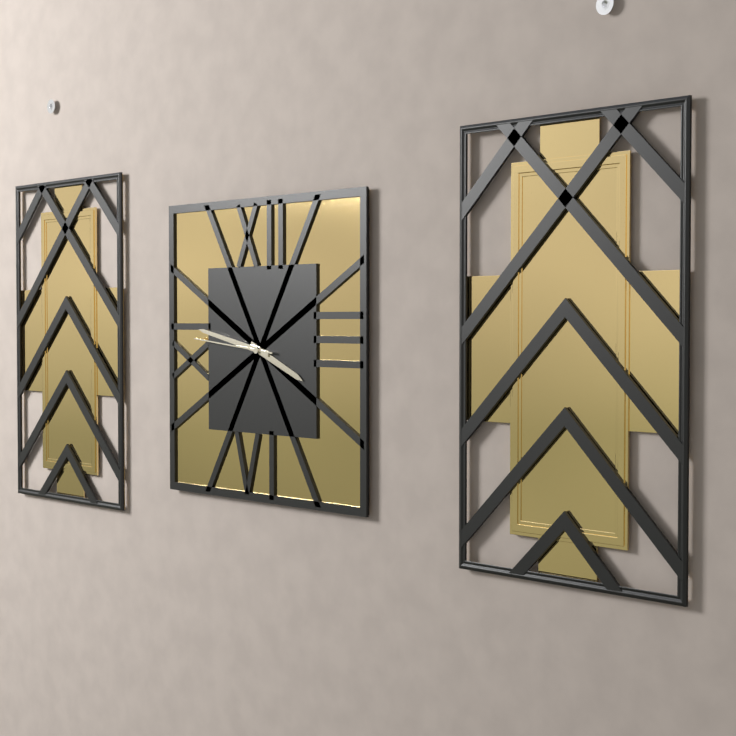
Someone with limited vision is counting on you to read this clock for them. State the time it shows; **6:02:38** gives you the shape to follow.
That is **3:47:46**
